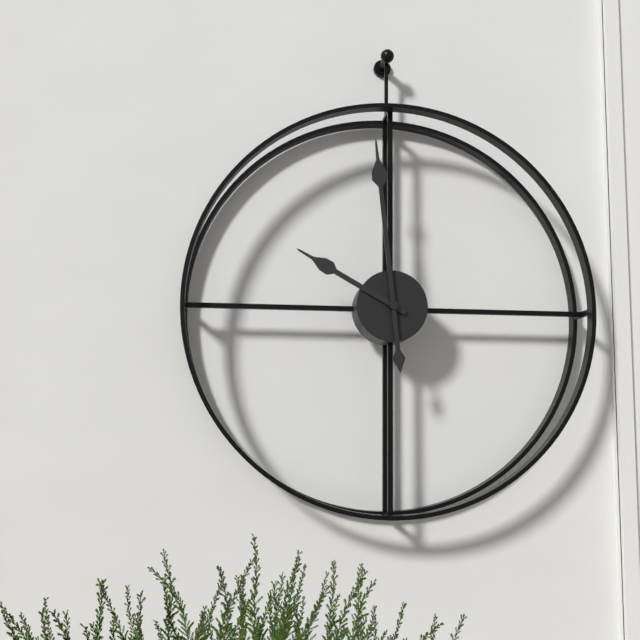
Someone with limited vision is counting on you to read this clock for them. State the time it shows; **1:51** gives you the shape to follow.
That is **9:59**
